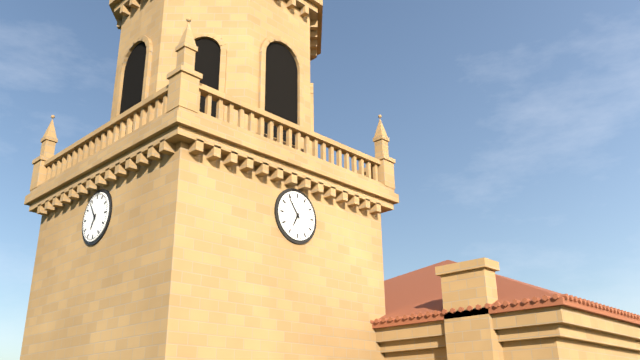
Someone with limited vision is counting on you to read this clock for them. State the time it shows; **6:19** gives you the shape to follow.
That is **6:54**
